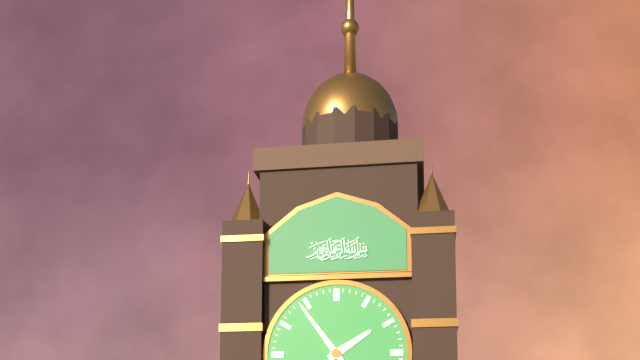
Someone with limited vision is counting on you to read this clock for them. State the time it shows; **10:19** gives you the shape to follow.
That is **1:54**
